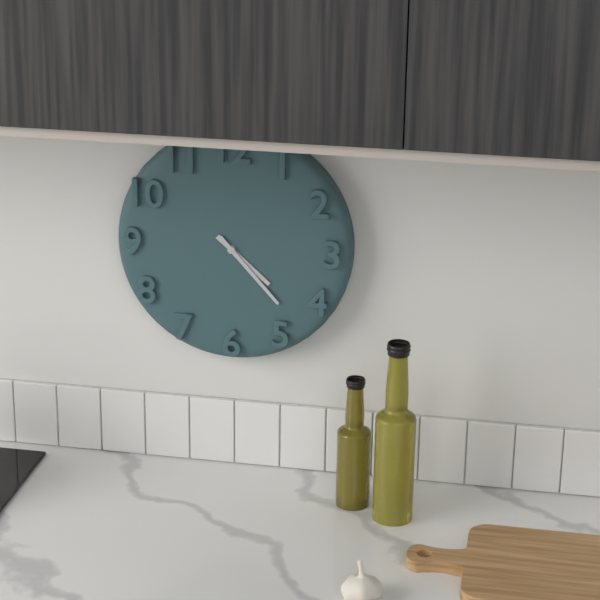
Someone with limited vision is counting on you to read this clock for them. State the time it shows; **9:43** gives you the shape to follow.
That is **4:23**
